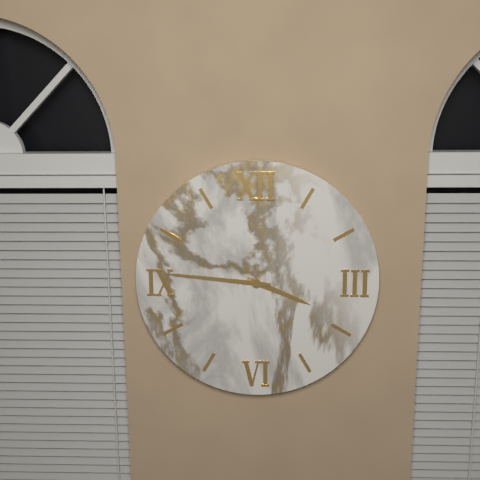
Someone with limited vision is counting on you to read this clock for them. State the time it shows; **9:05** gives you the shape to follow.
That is **3:46**
